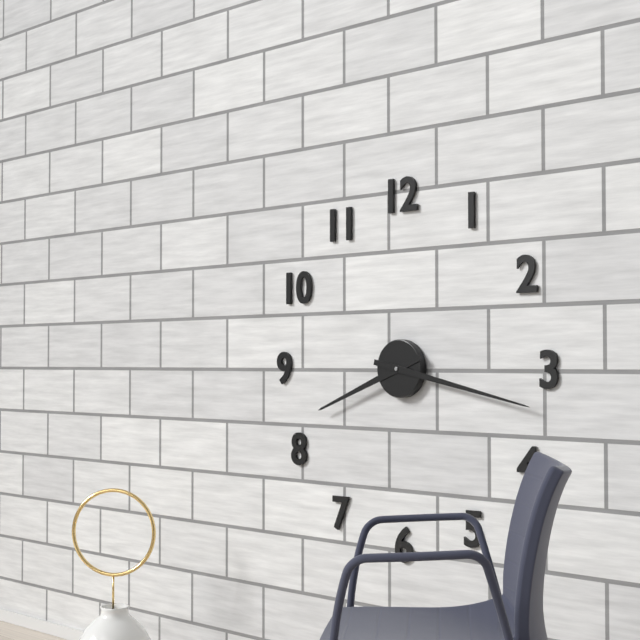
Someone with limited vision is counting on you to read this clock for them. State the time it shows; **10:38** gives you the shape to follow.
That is **8:17**
